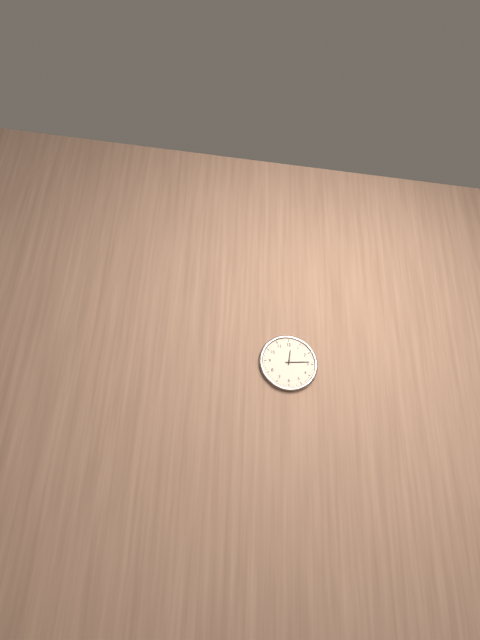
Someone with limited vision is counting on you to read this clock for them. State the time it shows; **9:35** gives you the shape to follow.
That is **12:14**
